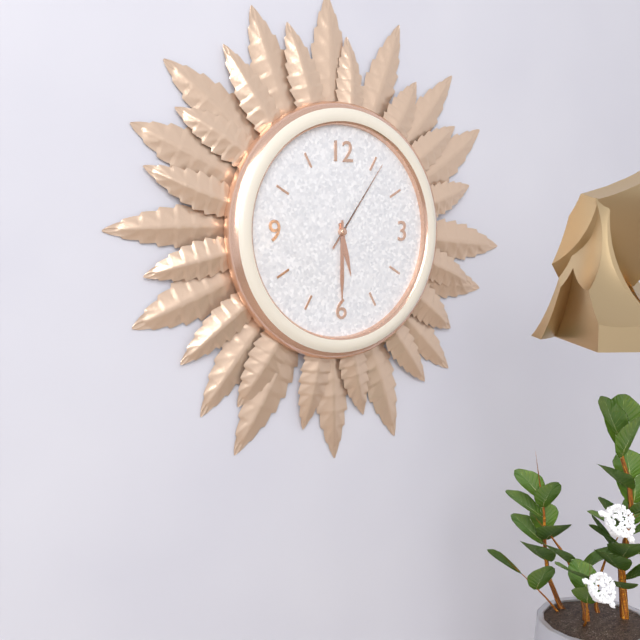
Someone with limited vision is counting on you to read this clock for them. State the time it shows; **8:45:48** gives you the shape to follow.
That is **5:30:06**
